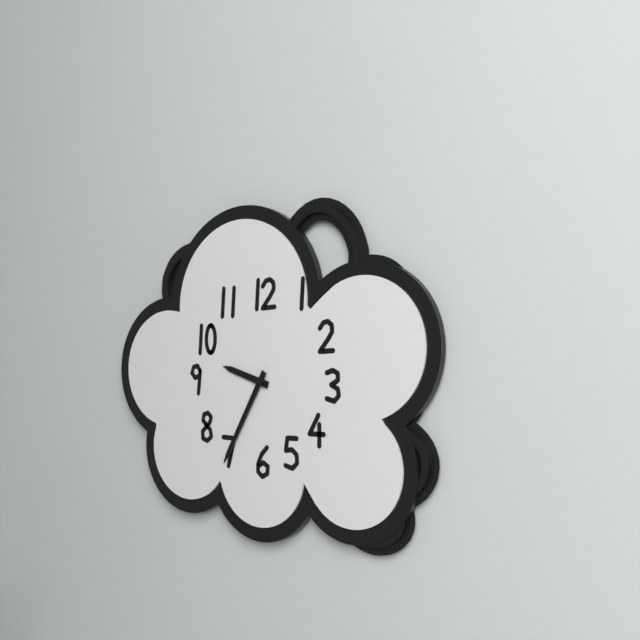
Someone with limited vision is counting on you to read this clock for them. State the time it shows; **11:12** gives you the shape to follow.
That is **9:35**
